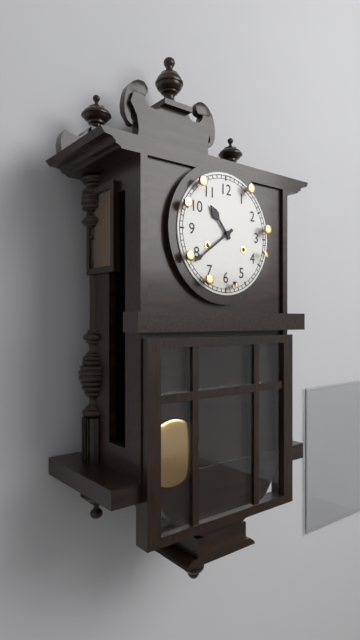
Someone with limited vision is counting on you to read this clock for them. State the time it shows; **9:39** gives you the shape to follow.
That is **10:39**
